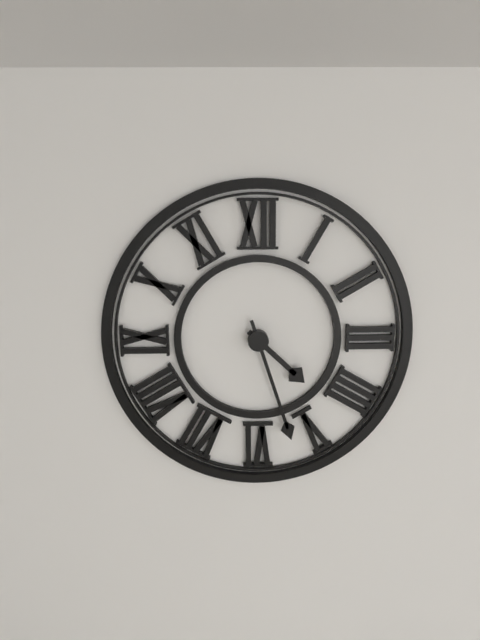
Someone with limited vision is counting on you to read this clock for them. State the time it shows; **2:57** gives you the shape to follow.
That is **4:27**
